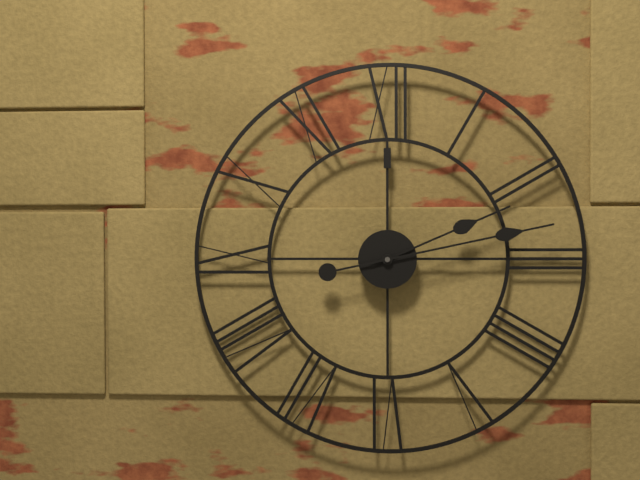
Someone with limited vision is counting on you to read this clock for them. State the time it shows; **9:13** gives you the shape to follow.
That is **2:13**
